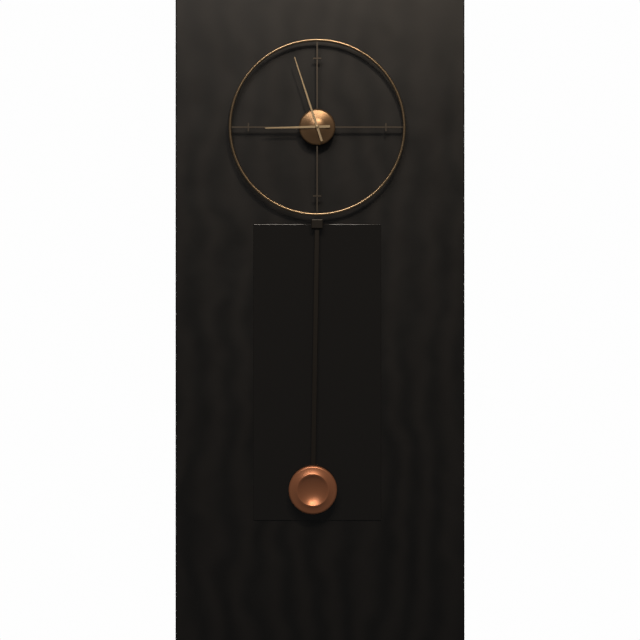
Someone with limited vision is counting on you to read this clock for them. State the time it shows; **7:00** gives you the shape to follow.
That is **8:57**
